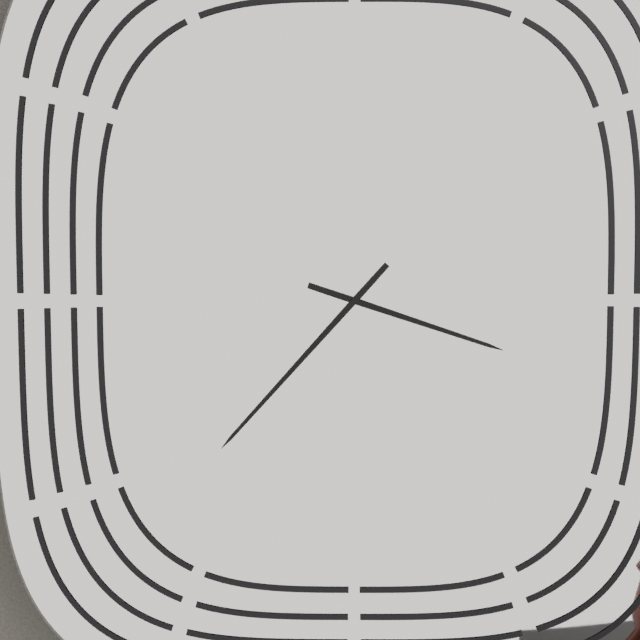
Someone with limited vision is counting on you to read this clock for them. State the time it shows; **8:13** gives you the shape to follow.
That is **3:37**
